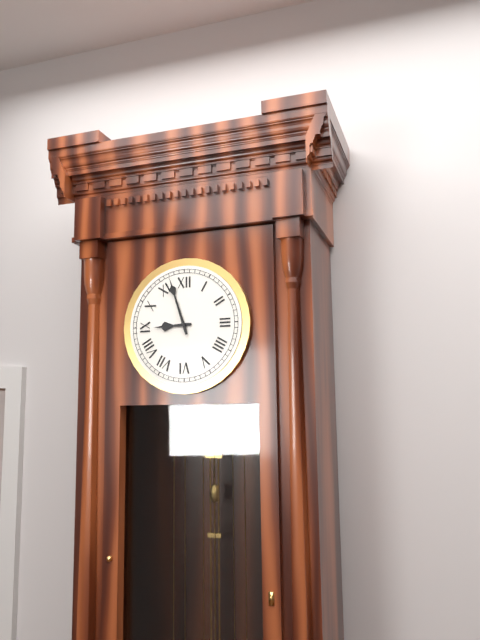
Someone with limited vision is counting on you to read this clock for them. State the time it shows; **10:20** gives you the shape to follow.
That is **8:57**
